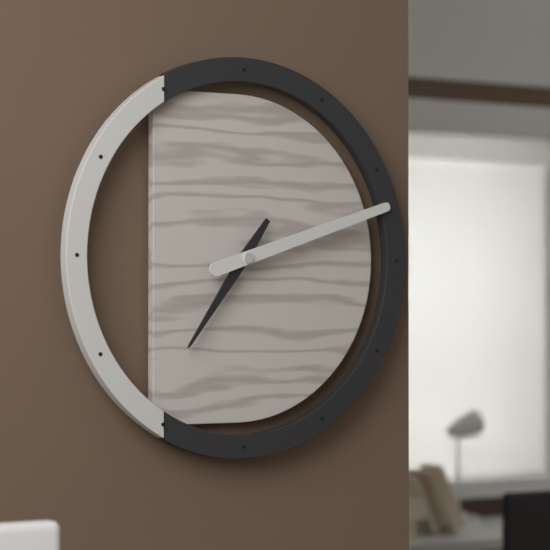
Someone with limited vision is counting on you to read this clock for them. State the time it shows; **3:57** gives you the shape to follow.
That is **7:12**
